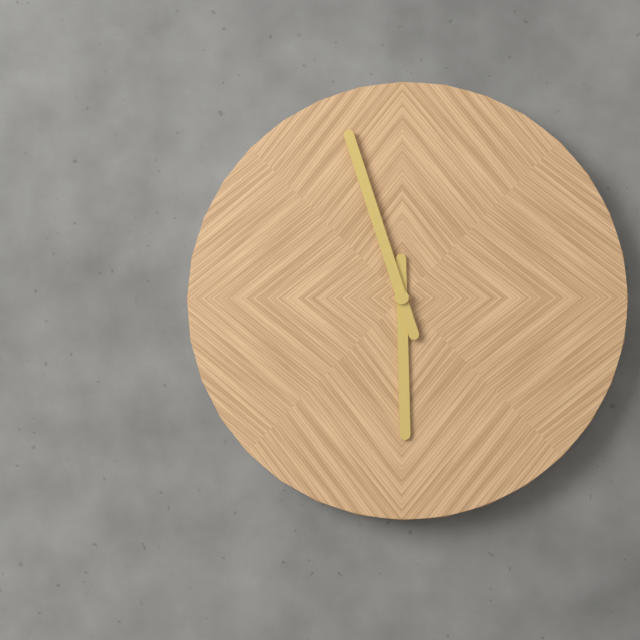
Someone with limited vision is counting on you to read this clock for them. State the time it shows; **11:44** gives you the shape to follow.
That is **5:57**
